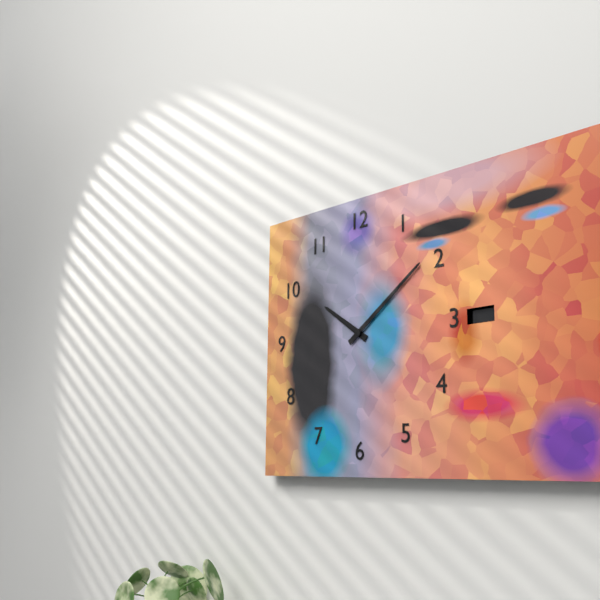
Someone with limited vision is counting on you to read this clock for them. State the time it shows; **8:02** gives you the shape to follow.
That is **10:09**
